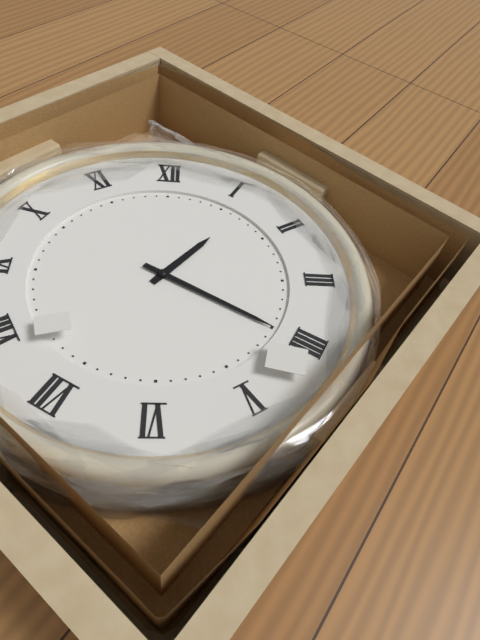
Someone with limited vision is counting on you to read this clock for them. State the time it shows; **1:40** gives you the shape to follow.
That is **1:20**
